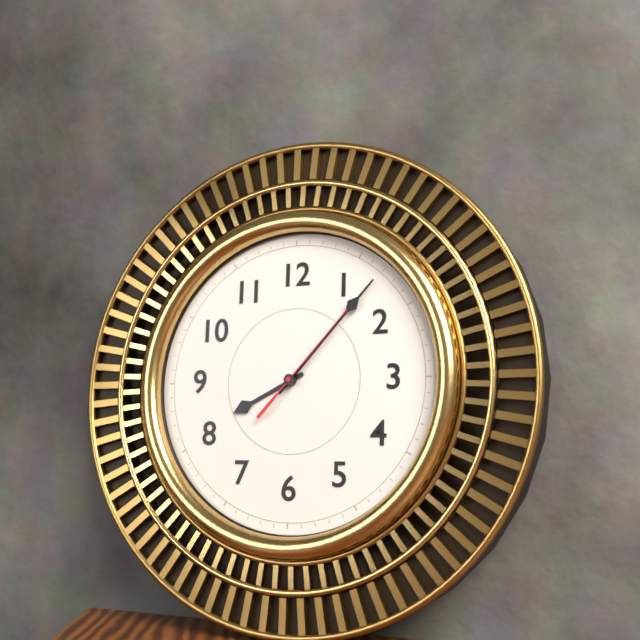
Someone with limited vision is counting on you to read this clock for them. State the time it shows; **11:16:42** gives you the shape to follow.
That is **8:07:07**
